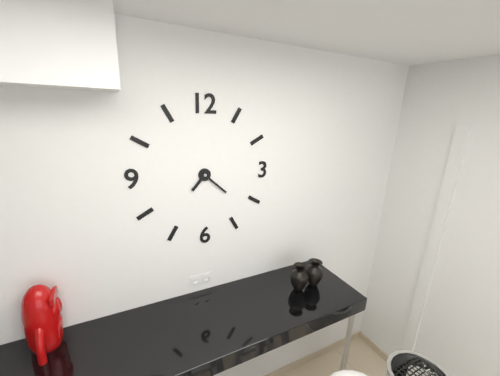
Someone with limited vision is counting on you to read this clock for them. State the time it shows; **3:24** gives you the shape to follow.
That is **7:22**
